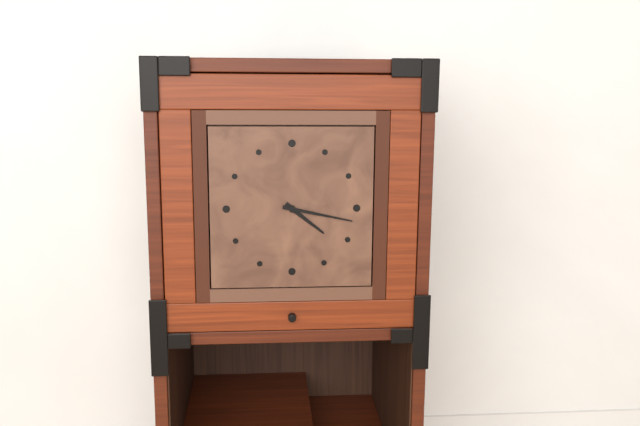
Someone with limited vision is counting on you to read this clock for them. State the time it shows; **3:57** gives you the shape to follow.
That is **4:17**
